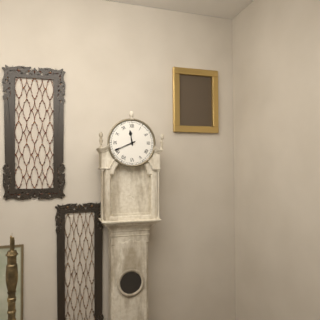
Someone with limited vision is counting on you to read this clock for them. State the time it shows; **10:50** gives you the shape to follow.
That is **11:41**
